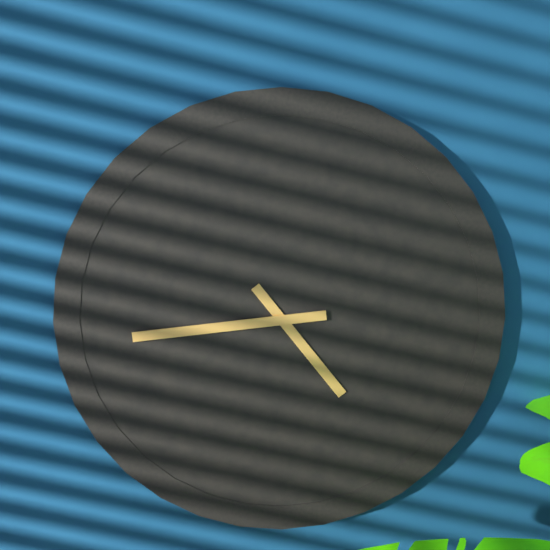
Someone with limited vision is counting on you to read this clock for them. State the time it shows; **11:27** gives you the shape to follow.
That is **4:44**
